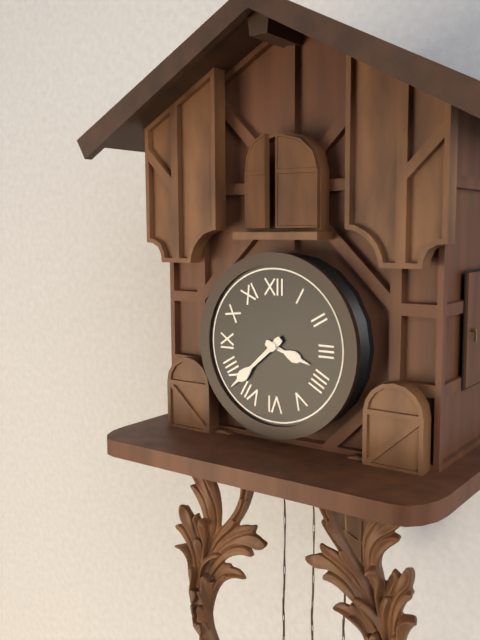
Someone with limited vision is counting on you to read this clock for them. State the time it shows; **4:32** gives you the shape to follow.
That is **3:38**
